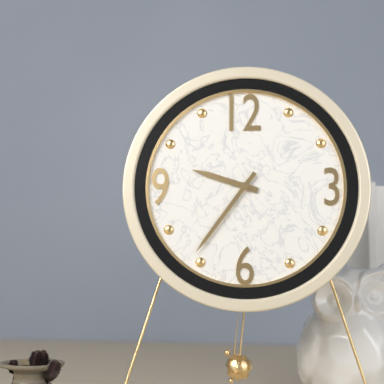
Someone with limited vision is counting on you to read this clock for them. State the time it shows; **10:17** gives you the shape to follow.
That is **9:36**
